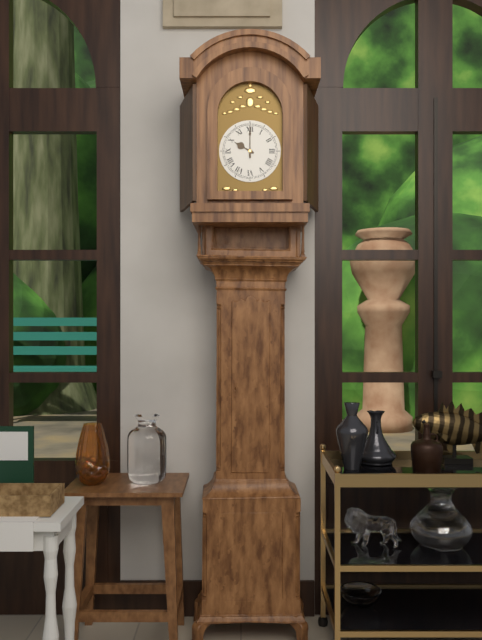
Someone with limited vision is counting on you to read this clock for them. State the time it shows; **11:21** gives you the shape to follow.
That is **10:00**
